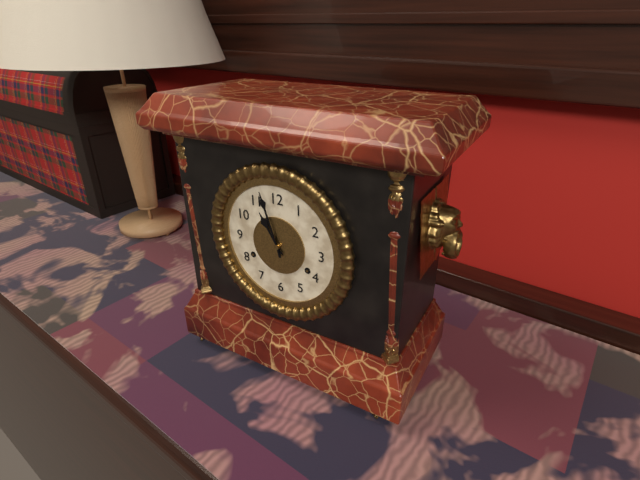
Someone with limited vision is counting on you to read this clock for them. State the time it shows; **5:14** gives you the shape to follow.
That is **10:57**
